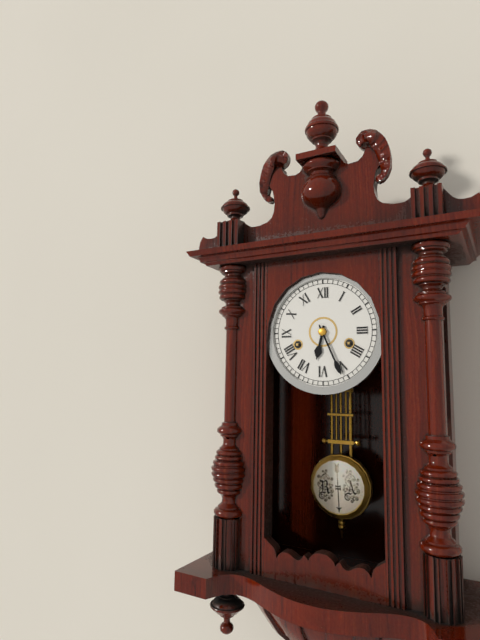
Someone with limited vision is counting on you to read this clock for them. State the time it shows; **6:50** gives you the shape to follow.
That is **6:26**
